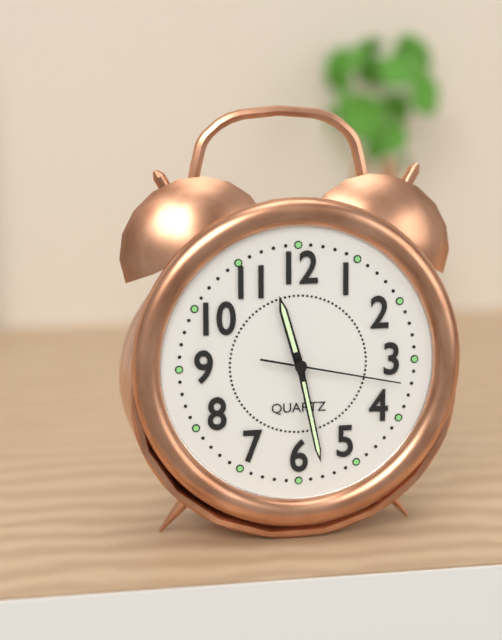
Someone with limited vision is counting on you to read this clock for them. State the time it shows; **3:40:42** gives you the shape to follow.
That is **11:28:17**
